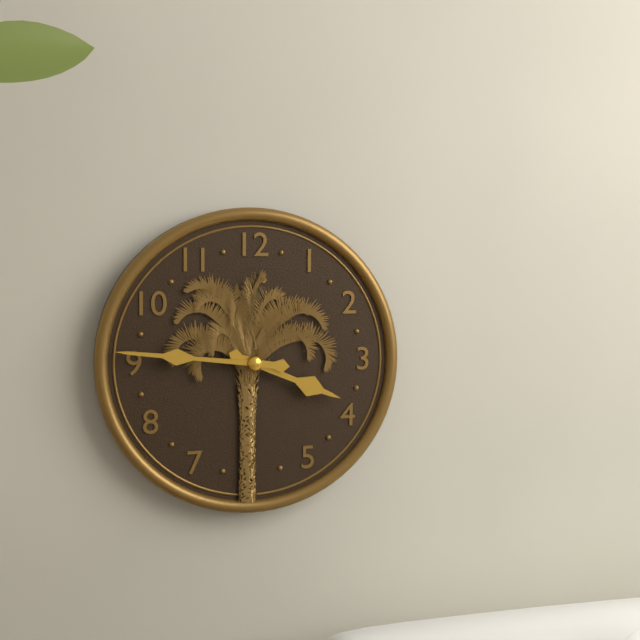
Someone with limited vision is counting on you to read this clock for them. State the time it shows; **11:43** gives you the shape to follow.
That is **3:46**
